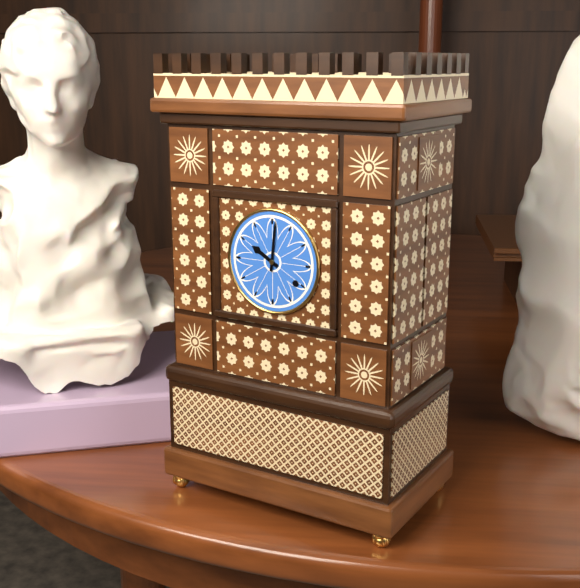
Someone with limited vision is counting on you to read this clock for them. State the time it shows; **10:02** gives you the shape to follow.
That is **10:01**
